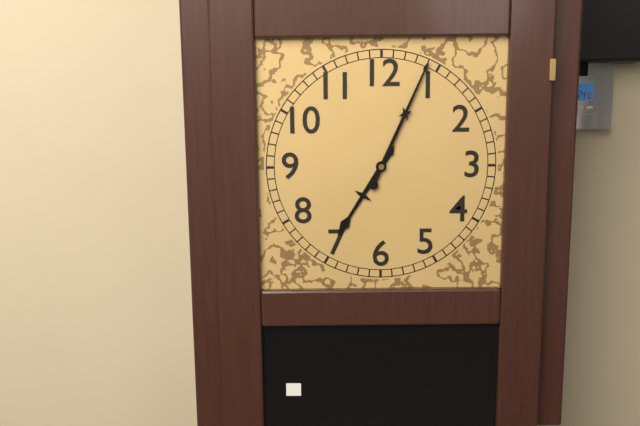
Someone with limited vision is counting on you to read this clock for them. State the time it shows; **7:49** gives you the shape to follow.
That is **7:04**
